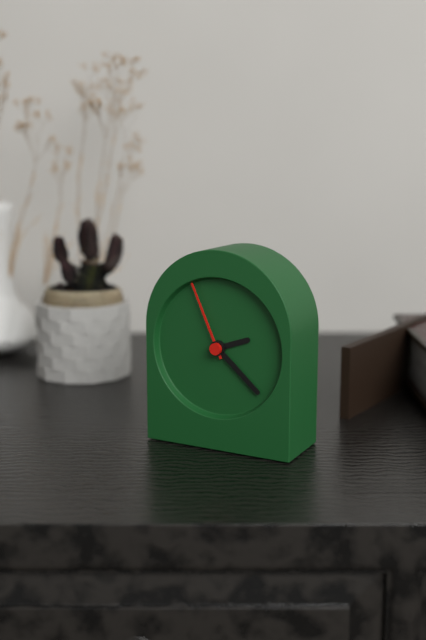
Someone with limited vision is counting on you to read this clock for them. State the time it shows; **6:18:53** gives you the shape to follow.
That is **2:22:56**
